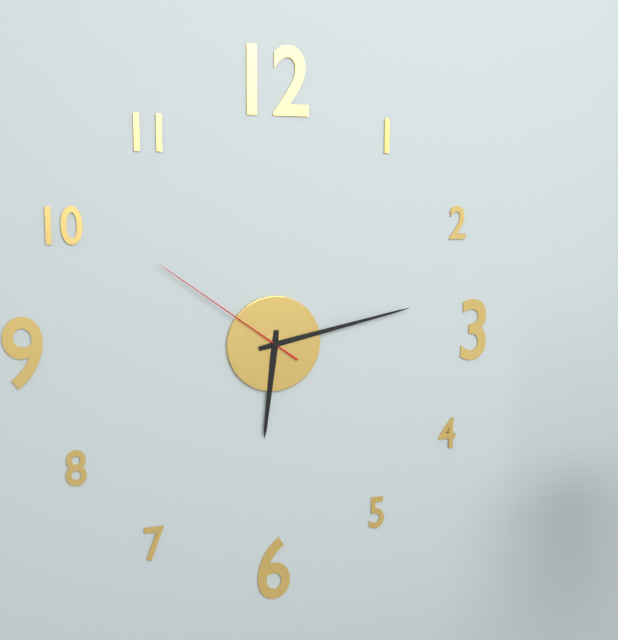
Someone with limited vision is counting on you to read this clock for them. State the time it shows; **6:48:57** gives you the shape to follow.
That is **6:13:51**
